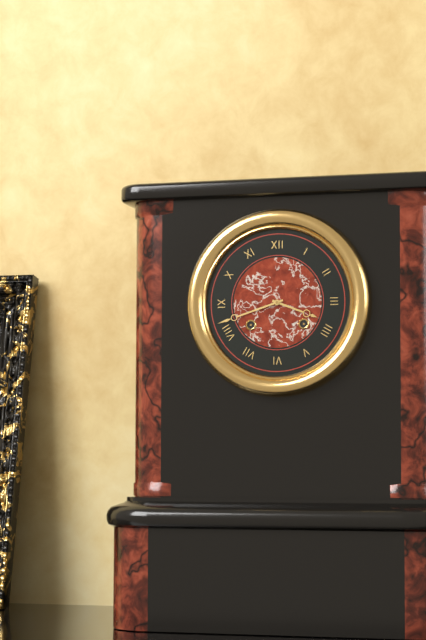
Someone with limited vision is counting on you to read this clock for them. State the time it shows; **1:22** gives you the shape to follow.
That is **3:42**
